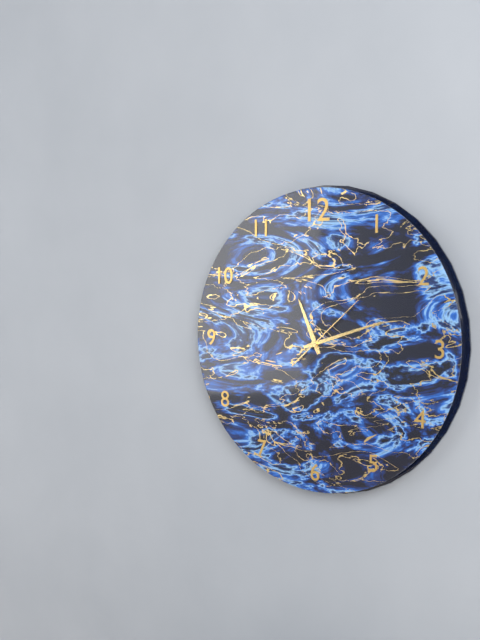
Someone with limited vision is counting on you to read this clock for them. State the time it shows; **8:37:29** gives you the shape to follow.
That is **11:12:08**
